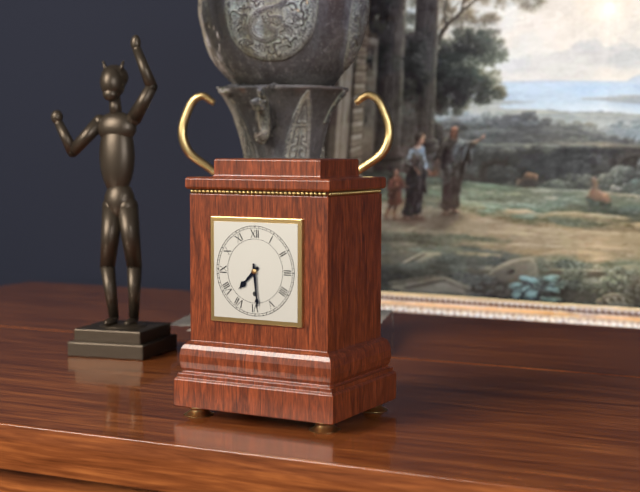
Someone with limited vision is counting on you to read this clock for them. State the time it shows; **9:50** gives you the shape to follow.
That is **7:29**
